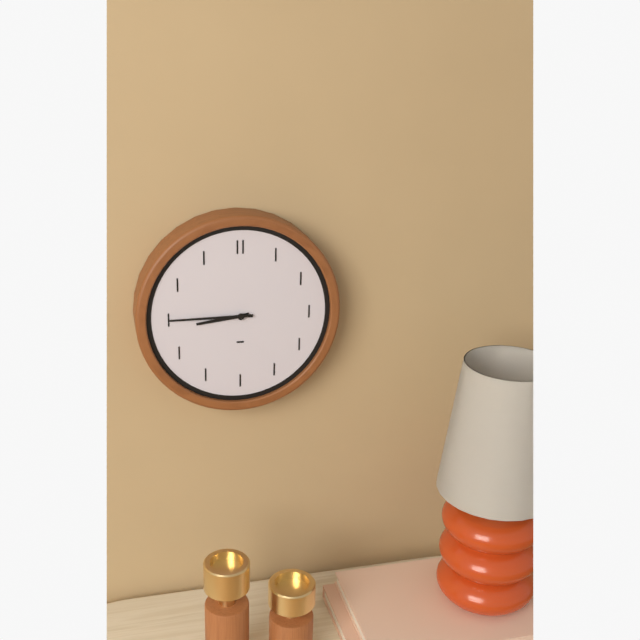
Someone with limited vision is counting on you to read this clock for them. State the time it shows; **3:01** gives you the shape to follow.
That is **8:45**
